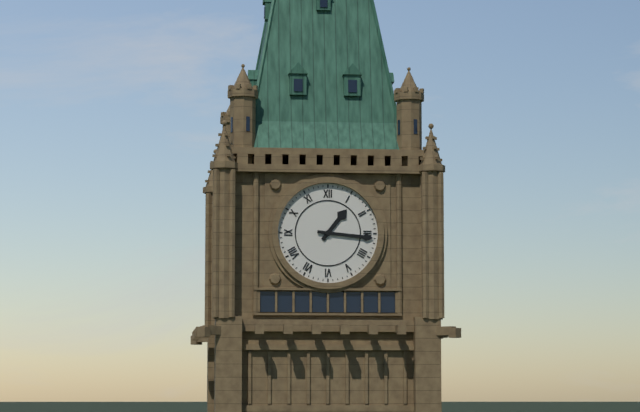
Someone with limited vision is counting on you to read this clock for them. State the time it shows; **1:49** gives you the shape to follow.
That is **1:16**
